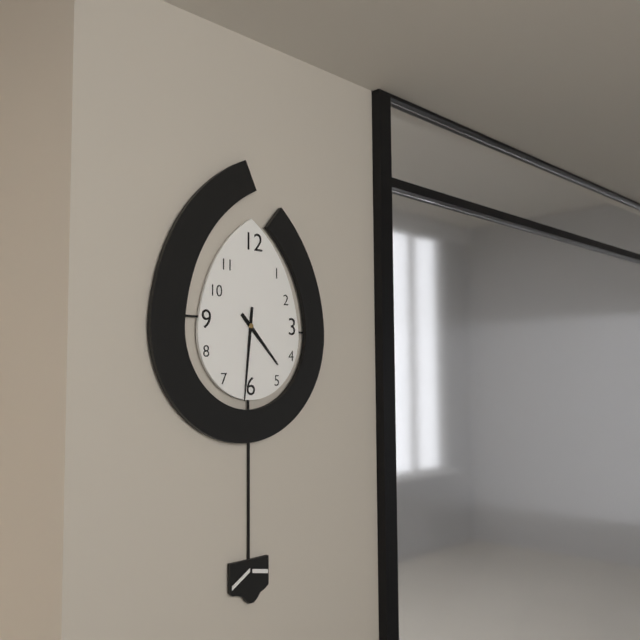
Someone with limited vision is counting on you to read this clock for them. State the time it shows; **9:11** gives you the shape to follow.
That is **4:31**
